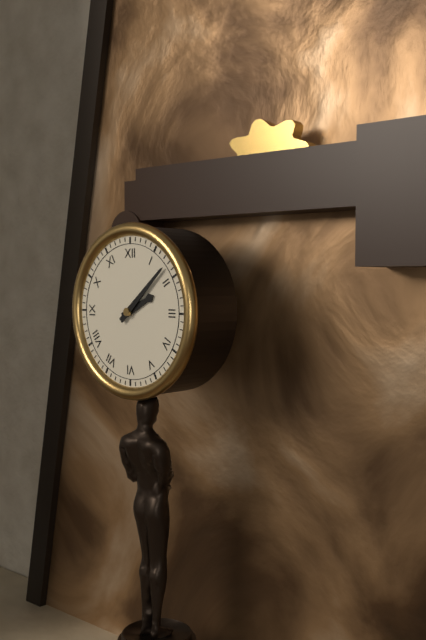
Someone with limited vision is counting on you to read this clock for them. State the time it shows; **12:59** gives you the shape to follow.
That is **2:08**
